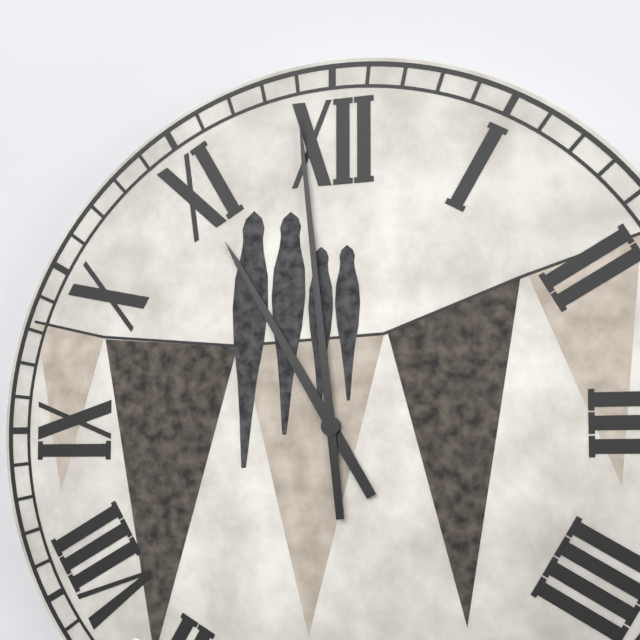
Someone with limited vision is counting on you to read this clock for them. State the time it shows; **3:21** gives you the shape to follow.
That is **10:59**
